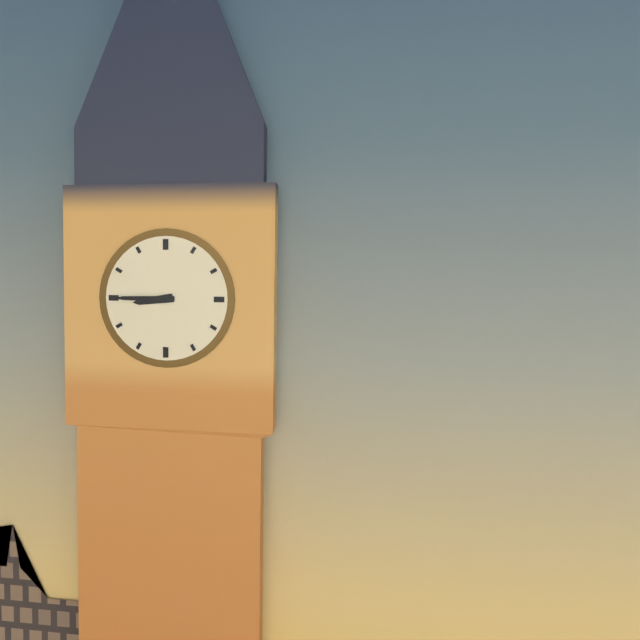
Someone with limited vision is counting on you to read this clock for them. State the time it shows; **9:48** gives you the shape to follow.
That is **8:45**
